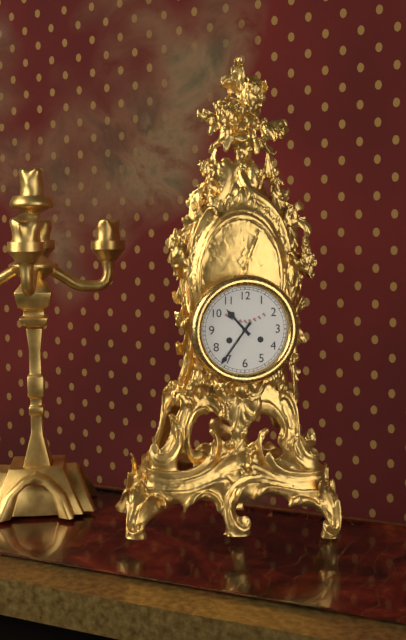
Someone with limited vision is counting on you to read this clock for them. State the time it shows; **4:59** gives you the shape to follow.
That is **10:36**
